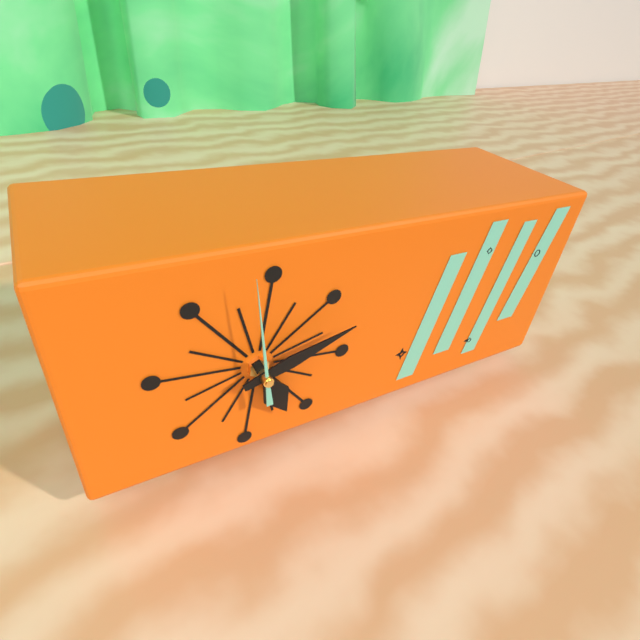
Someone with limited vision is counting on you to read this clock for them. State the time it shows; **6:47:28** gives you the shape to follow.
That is **5:12:59**
